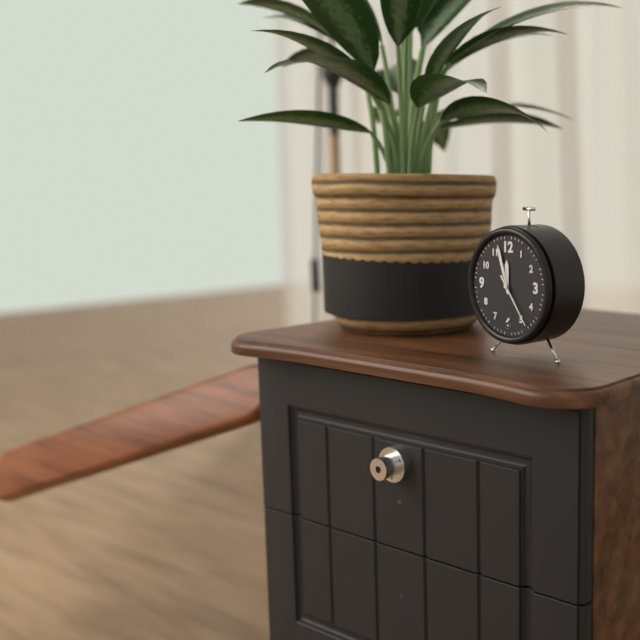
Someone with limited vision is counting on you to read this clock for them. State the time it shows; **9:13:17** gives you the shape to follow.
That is **11:57:24**
